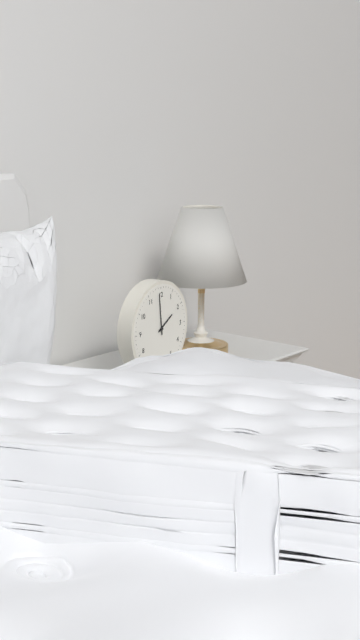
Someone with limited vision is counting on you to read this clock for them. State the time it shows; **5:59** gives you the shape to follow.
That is **1:59**
